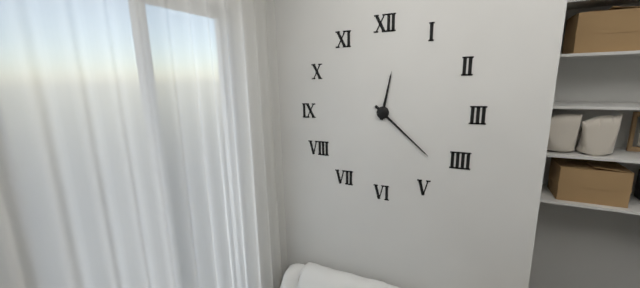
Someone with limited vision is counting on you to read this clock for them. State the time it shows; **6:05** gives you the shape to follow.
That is **12:22**
